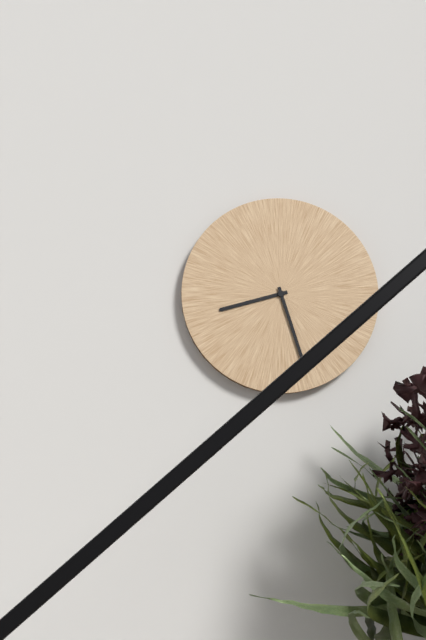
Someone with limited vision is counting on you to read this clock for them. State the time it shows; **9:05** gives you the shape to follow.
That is **8:27**
